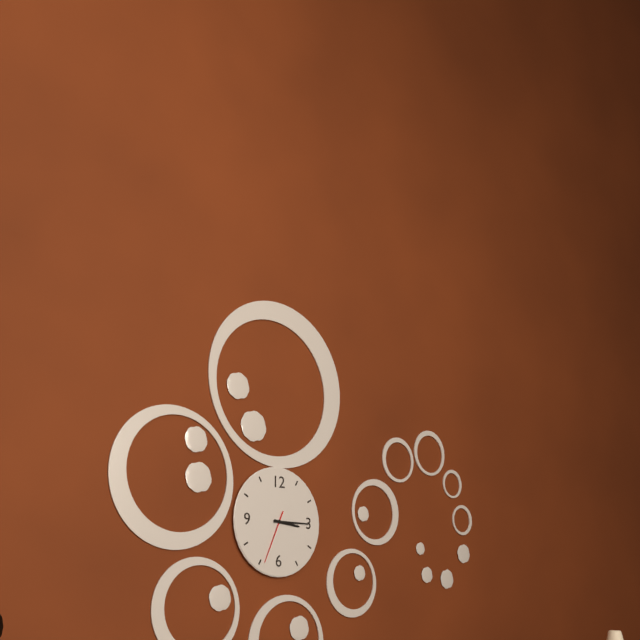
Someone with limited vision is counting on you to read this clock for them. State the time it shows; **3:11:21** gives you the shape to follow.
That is **3:15:34**
